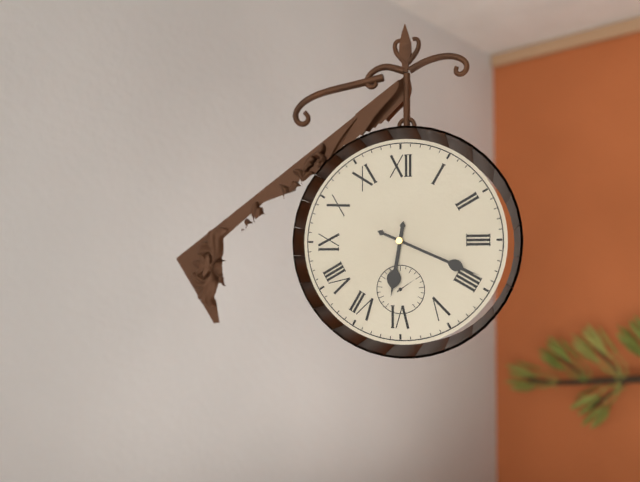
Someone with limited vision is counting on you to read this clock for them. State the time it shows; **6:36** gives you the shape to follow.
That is **6:19**
